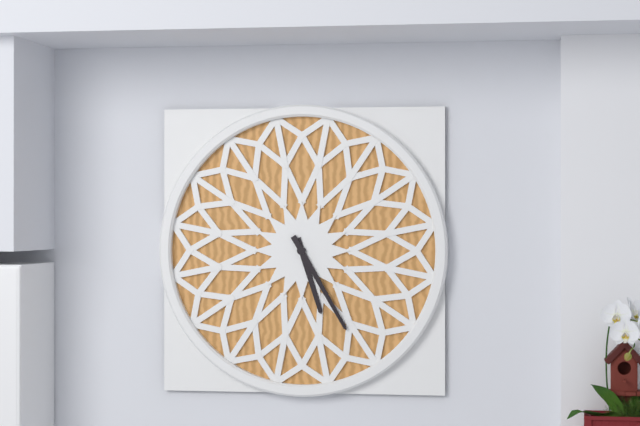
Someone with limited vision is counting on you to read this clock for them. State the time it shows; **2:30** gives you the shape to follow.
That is **5:25**
